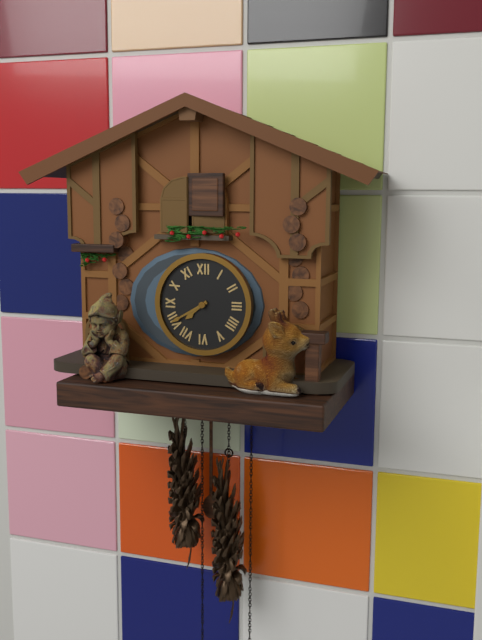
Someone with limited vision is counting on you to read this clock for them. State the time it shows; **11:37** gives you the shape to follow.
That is **7:40**
